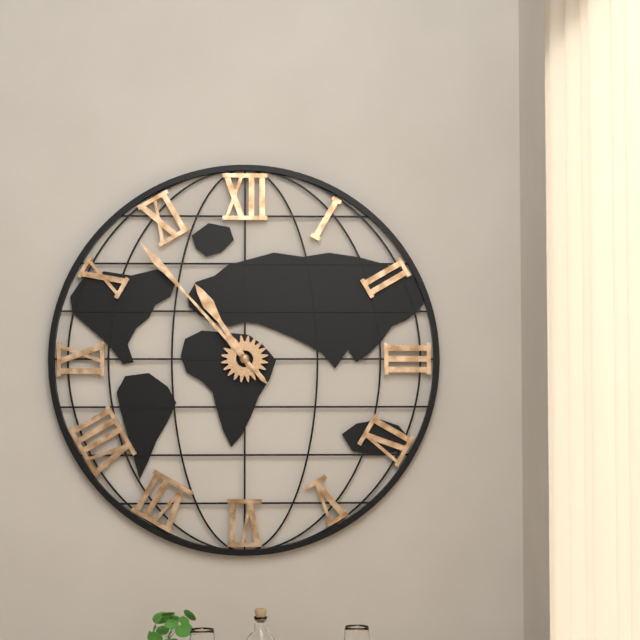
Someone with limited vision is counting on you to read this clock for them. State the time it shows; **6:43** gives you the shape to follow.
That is **10:53**
